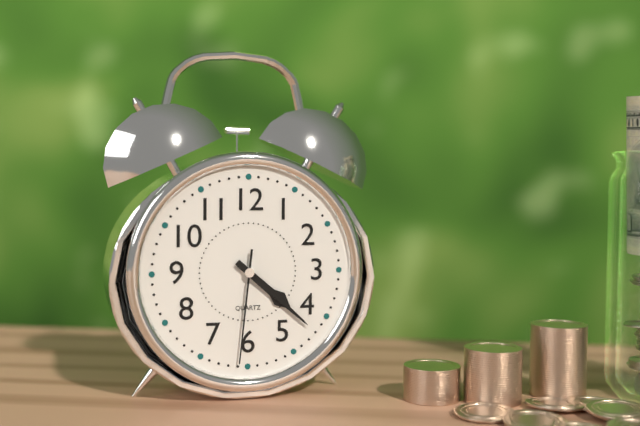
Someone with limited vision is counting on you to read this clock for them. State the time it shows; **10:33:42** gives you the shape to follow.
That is **4:22:31**
